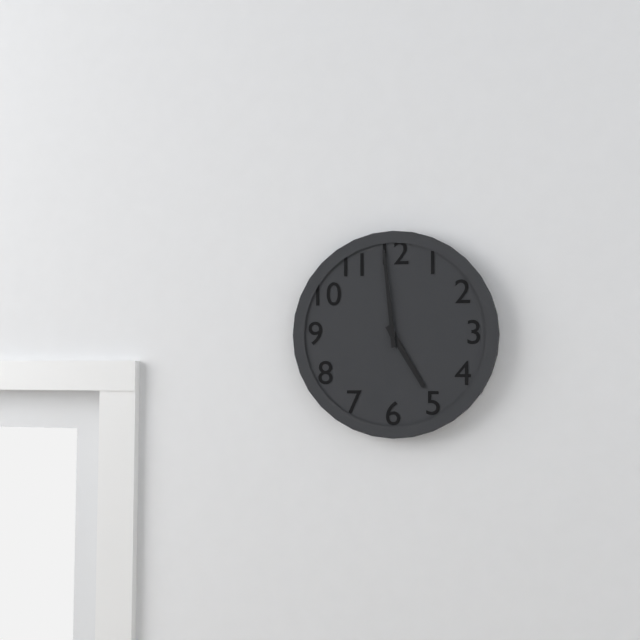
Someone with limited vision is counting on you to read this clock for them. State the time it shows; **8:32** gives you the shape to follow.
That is **4:59**
